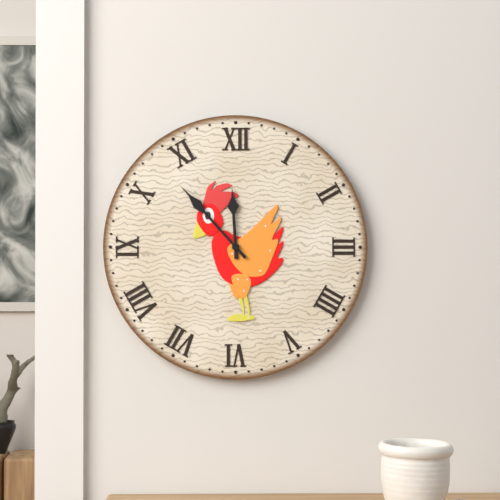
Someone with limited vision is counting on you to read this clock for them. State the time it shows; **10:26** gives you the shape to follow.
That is **11:53**
